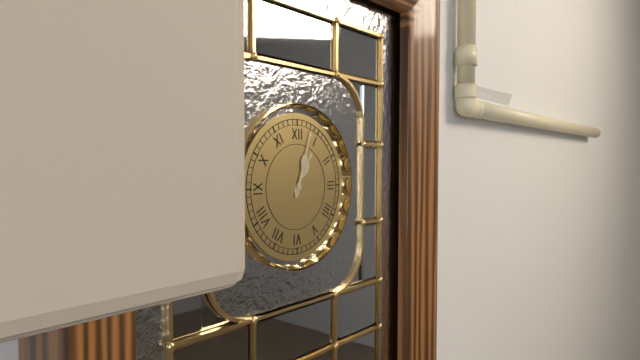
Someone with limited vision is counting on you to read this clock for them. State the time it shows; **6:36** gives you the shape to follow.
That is **1:03**
